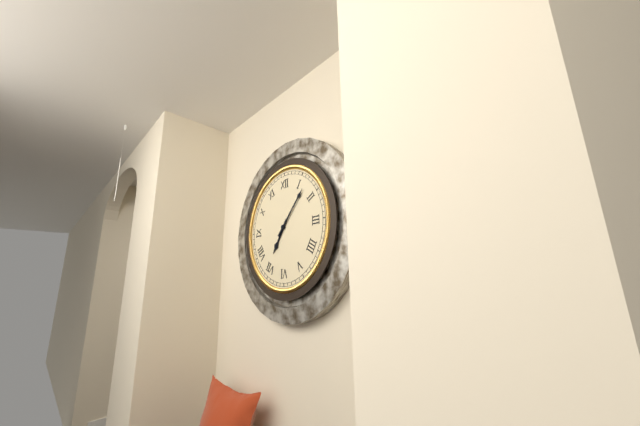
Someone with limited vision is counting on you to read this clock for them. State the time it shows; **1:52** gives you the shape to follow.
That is **7:07**
